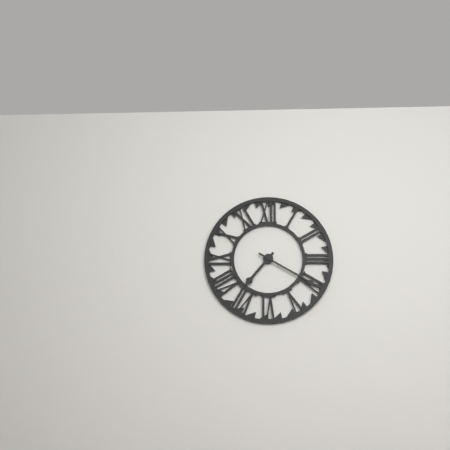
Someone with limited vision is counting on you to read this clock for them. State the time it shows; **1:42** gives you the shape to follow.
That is **7:20**
